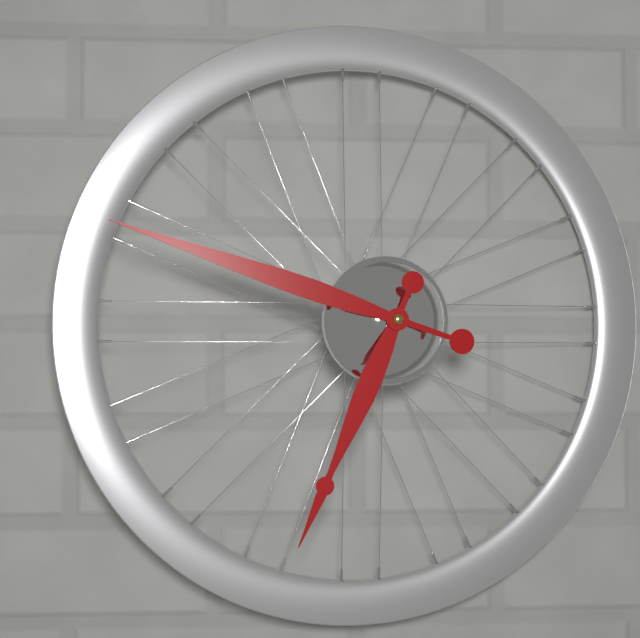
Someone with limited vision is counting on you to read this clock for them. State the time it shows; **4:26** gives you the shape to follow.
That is **6:48**
